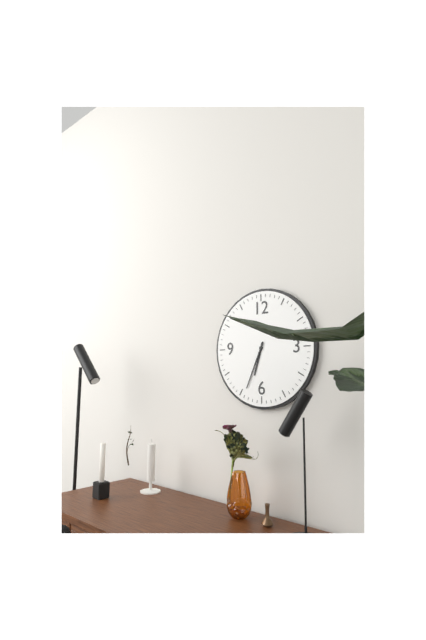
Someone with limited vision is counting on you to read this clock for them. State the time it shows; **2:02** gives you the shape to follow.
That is **6:34**
